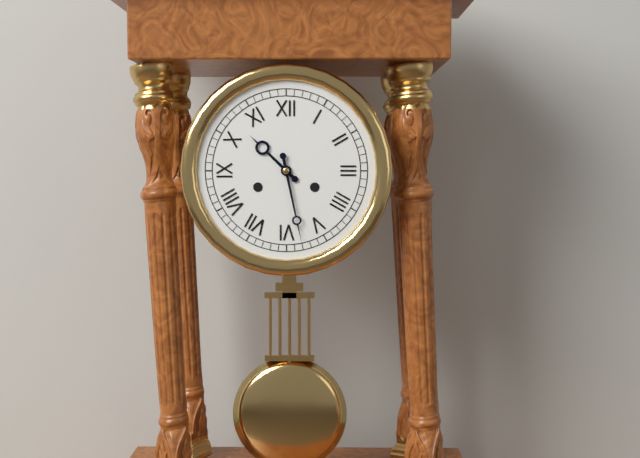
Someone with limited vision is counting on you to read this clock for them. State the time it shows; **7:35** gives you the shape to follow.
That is **10:28**
